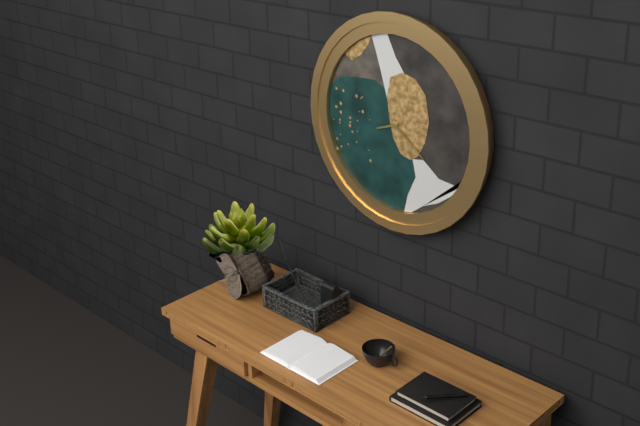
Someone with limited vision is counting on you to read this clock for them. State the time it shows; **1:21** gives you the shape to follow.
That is **8:21**
